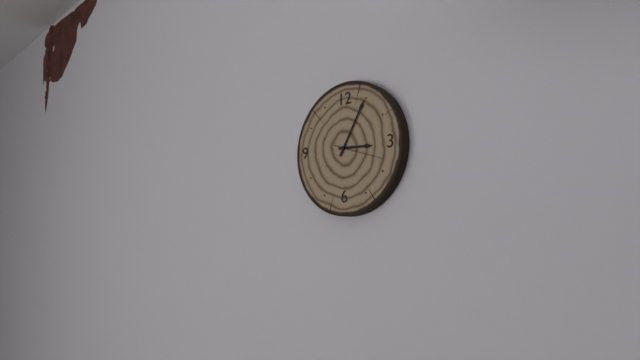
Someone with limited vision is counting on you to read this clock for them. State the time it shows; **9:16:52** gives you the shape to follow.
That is **3:05:18**
